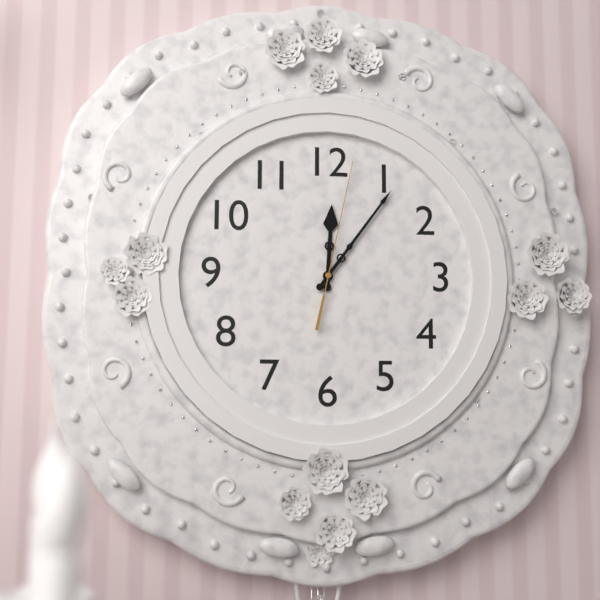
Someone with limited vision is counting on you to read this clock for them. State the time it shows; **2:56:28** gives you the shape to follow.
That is **12:06:02**
